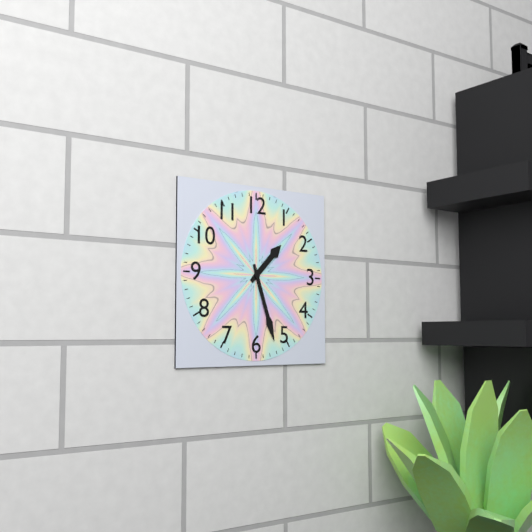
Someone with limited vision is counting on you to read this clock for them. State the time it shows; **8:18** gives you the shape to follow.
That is **1:27**
